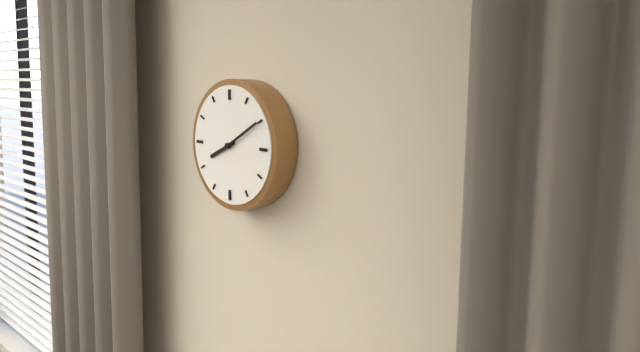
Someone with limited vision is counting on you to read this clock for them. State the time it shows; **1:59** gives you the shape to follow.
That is **8:10**
